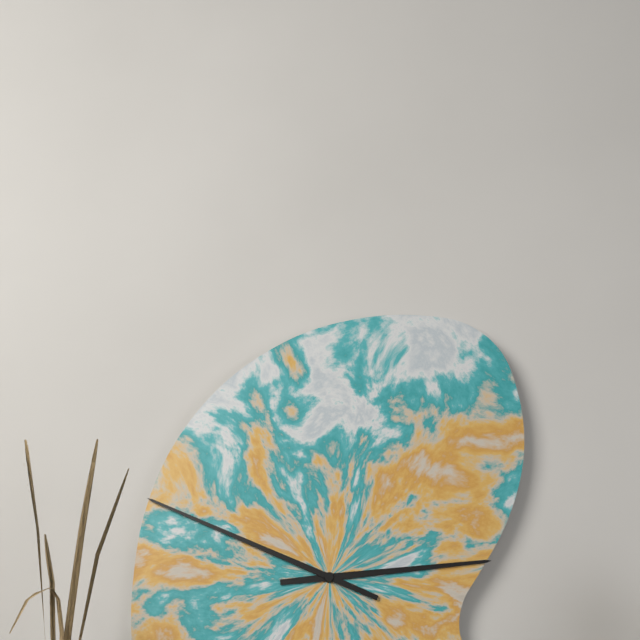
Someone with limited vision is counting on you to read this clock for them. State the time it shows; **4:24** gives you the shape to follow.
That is **2:49**
